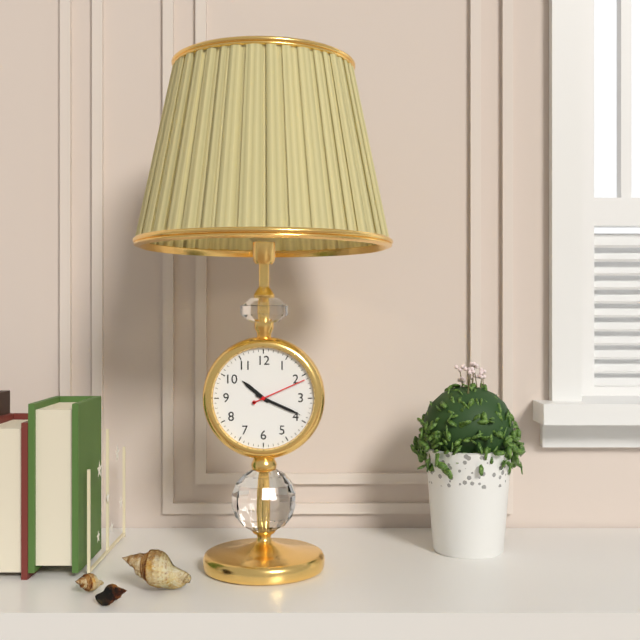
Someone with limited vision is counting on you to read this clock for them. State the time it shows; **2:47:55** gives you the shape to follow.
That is **10:19:11**
